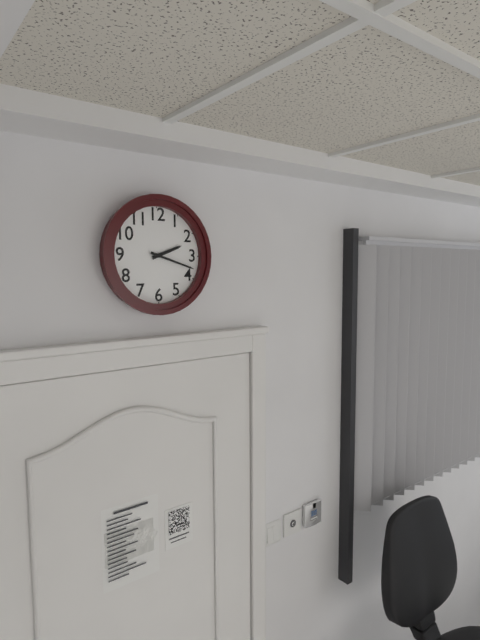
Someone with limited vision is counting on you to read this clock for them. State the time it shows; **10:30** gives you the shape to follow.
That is **2:18**
